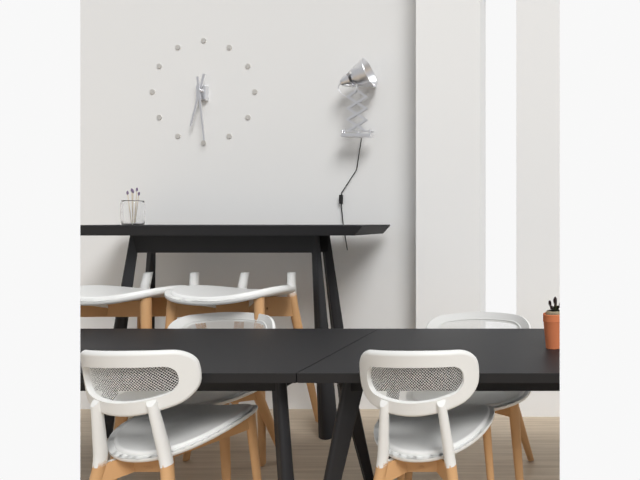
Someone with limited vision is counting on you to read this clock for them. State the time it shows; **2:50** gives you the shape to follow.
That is **6:29**
